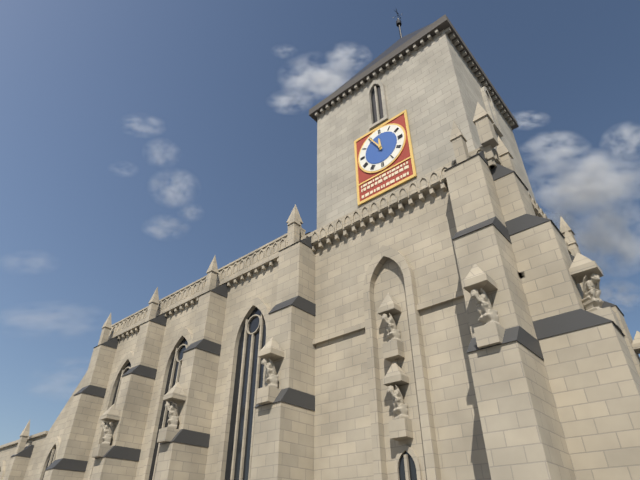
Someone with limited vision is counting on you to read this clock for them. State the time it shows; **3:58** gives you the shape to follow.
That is **11:55**
